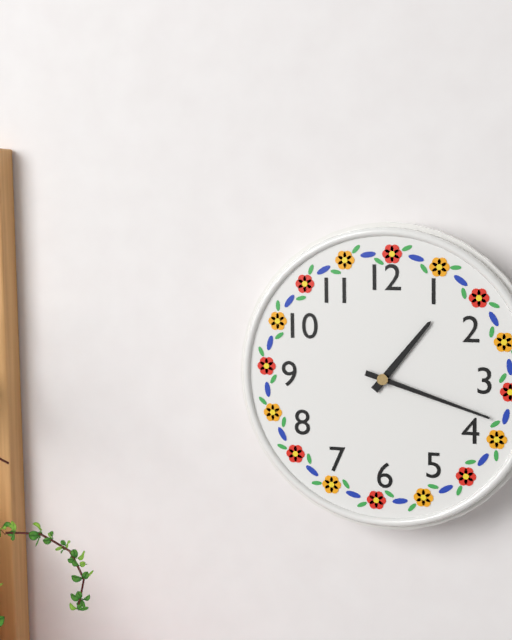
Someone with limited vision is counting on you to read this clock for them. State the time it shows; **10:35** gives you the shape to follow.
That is **1:18**
